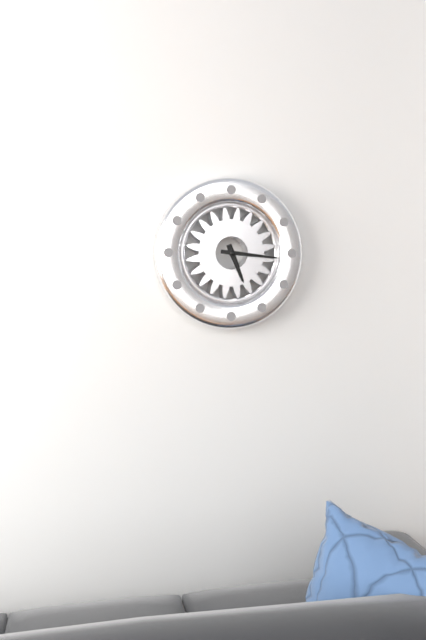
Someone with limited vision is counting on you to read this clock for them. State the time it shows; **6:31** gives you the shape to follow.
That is **5:16**
